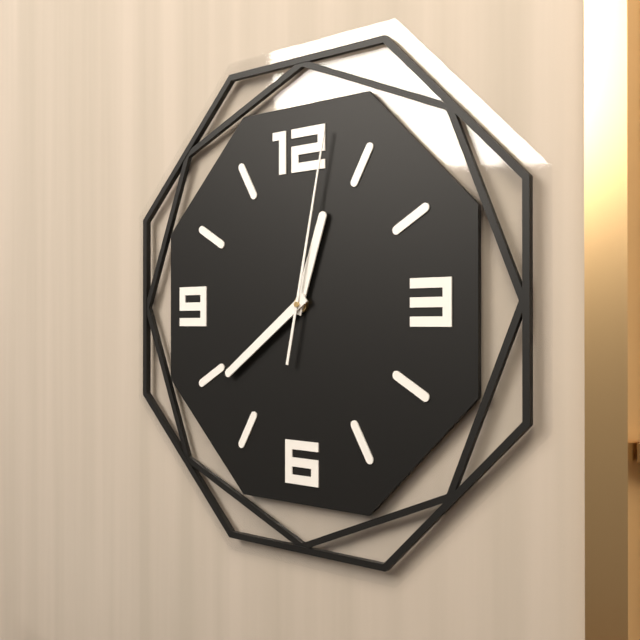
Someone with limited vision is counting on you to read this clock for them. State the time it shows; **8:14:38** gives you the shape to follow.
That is **12:39:02**
